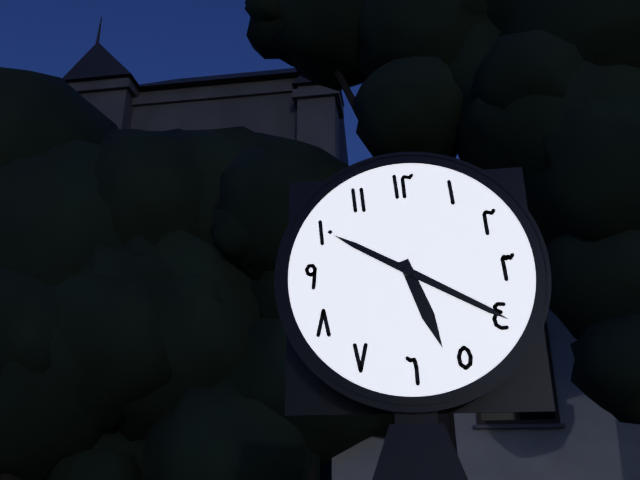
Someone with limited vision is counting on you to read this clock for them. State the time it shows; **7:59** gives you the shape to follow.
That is **5:20**
